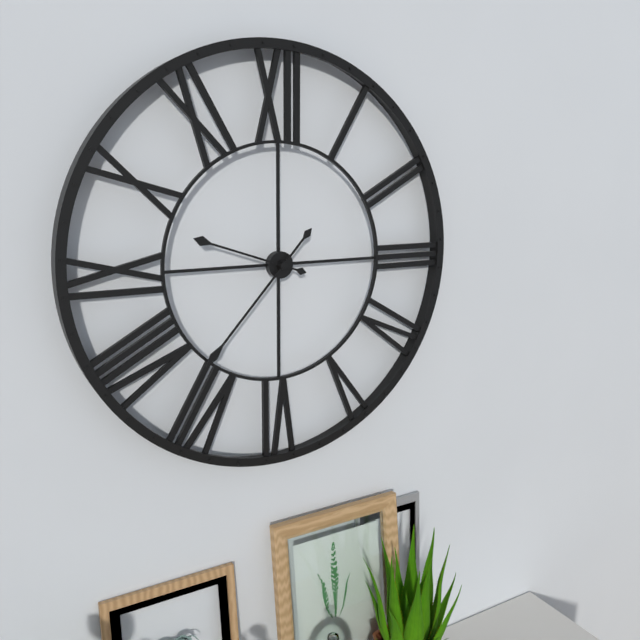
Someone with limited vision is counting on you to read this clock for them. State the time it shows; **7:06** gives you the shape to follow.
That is **9:37**
